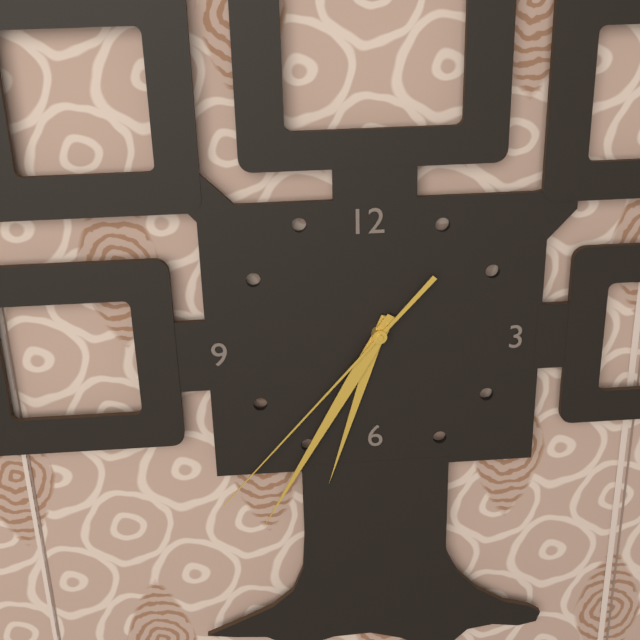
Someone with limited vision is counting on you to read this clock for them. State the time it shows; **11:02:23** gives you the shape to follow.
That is **6:35:37**
